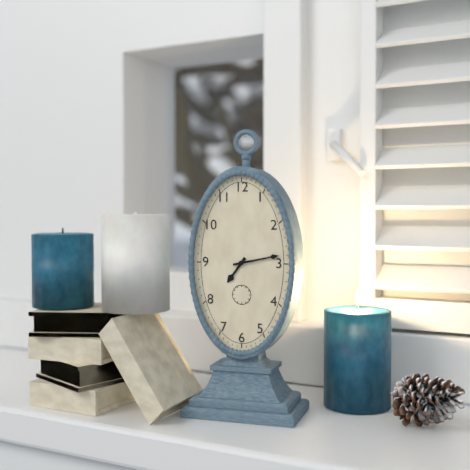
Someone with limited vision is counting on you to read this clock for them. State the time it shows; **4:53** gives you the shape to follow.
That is **7:13**
